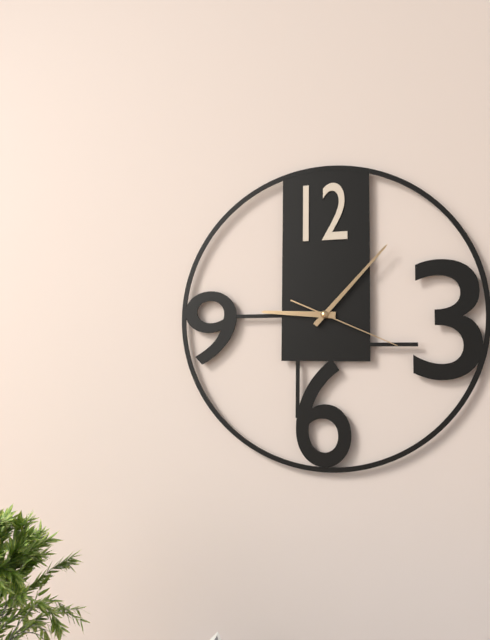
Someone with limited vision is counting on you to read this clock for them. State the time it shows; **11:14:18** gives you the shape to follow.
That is **9:07:19**
